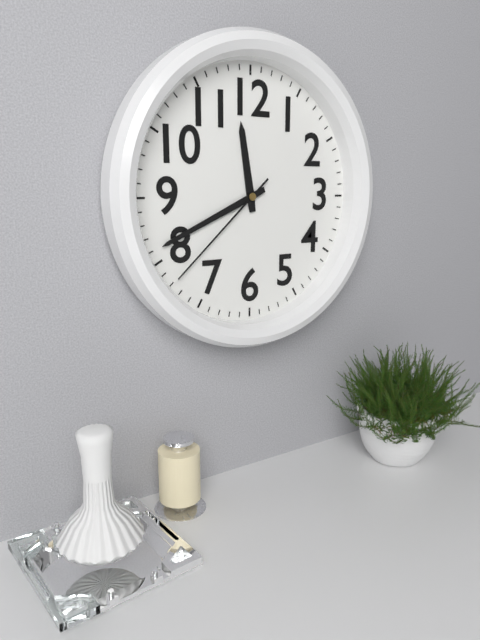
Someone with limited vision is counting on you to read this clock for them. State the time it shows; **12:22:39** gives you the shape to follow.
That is **11:41:38**
